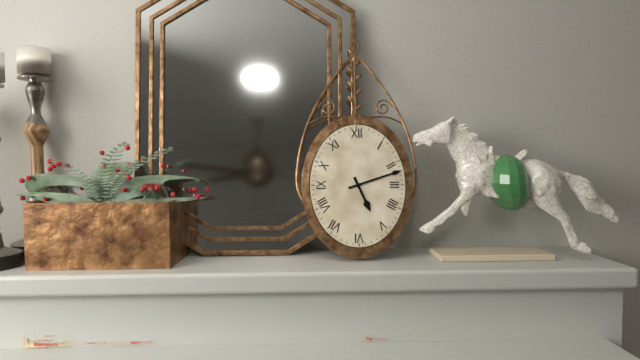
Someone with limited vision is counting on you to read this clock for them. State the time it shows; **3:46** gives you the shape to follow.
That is **5:12**
